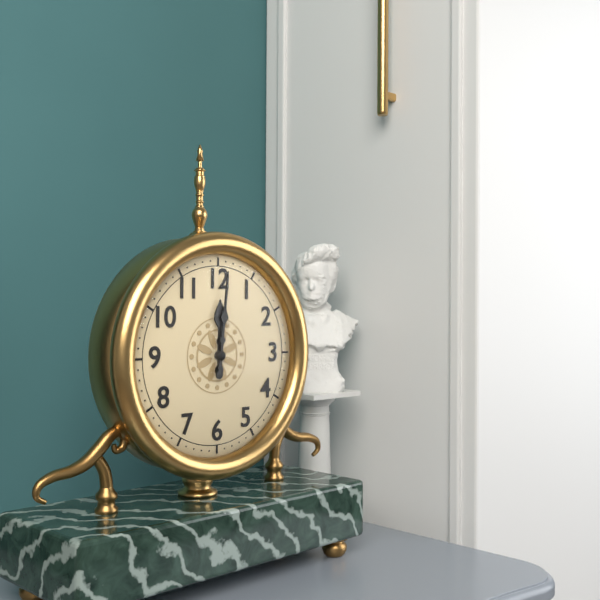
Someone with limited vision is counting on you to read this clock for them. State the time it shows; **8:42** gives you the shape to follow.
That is **12:01**
